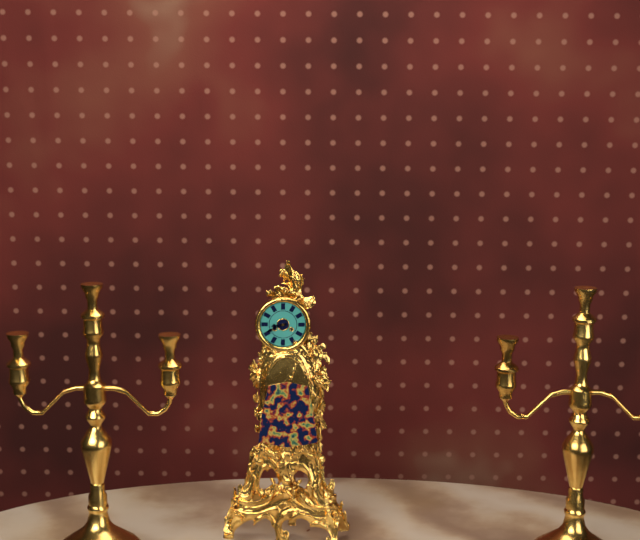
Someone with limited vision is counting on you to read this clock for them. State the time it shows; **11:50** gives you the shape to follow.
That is **8:41**
